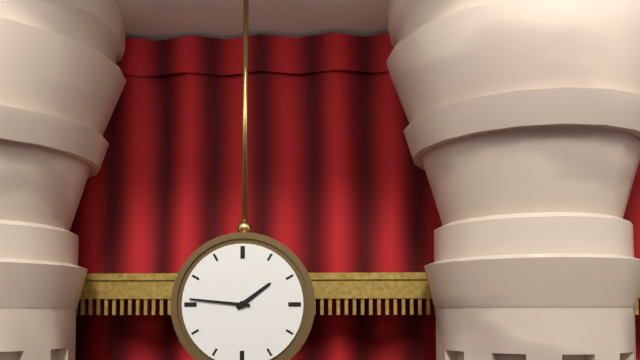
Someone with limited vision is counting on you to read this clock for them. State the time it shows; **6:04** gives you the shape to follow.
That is **1:46**
